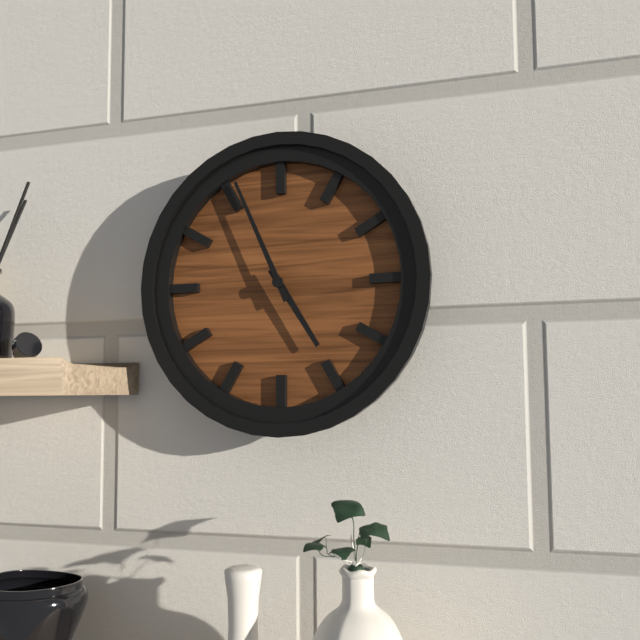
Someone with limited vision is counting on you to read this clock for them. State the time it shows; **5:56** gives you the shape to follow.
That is **4:56**
